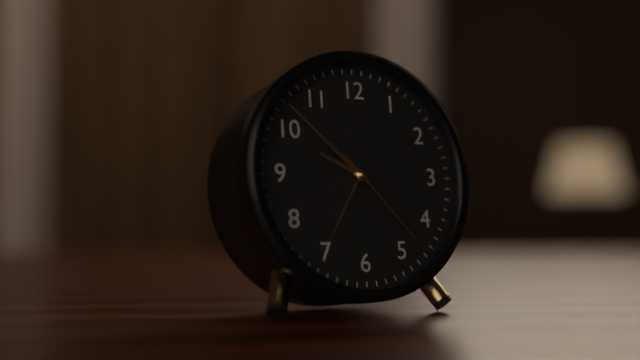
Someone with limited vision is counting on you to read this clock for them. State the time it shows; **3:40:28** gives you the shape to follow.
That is **9:52:23**
